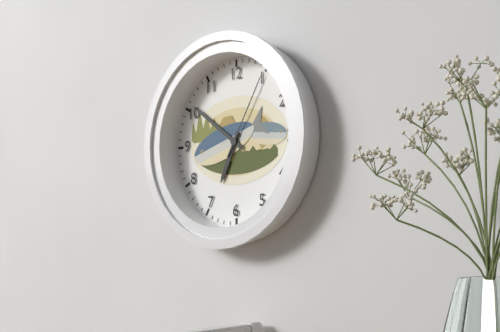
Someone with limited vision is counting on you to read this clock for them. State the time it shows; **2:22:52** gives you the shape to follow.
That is **6:51:05**
